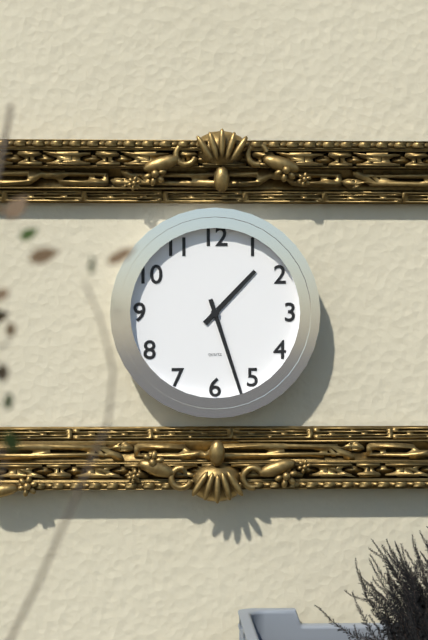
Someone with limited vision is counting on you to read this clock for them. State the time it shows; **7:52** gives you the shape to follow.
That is **1:27**
